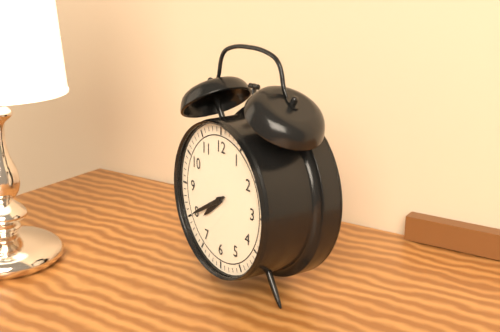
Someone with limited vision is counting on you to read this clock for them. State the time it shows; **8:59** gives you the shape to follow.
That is **7:40**
